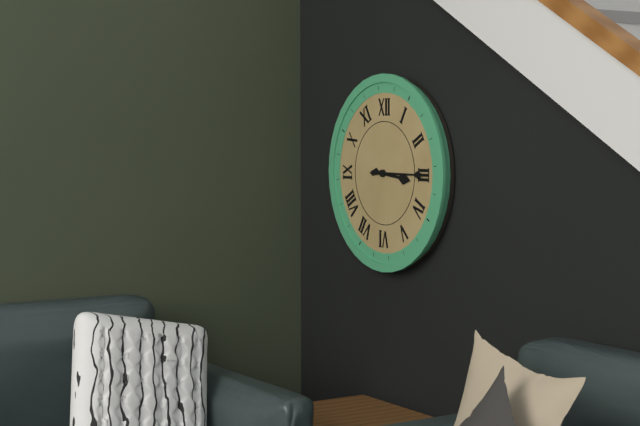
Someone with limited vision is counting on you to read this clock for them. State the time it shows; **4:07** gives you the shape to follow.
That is **3:15**
